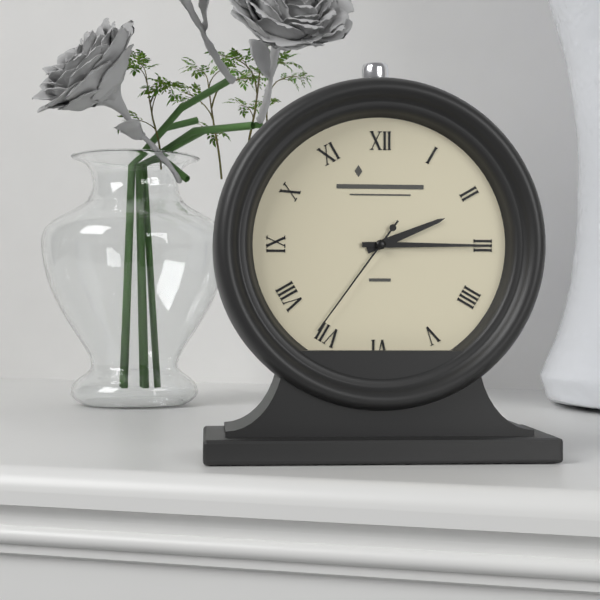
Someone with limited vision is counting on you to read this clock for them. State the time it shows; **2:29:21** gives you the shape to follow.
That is **2:15:36**
